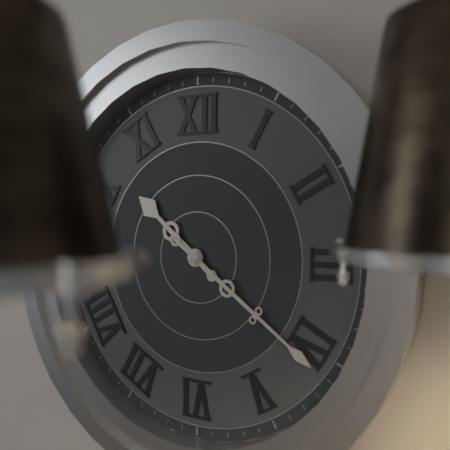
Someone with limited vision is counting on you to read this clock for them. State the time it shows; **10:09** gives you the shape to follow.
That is **10:21**
